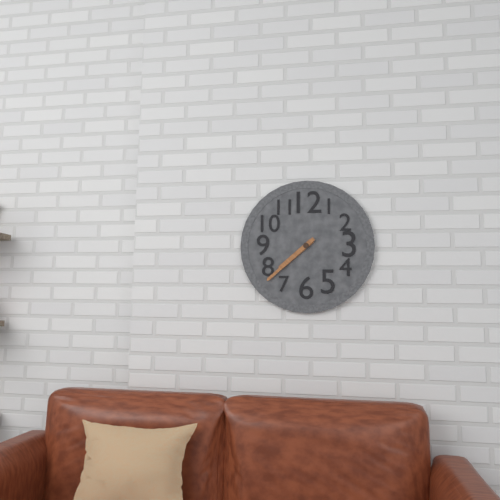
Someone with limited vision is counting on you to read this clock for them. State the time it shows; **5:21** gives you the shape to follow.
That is **7:38**
